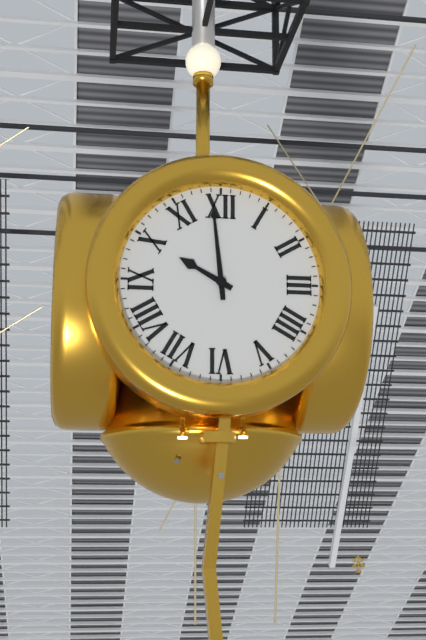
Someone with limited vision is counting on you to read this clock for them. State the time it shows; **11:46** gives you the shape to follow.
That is **9:59**
